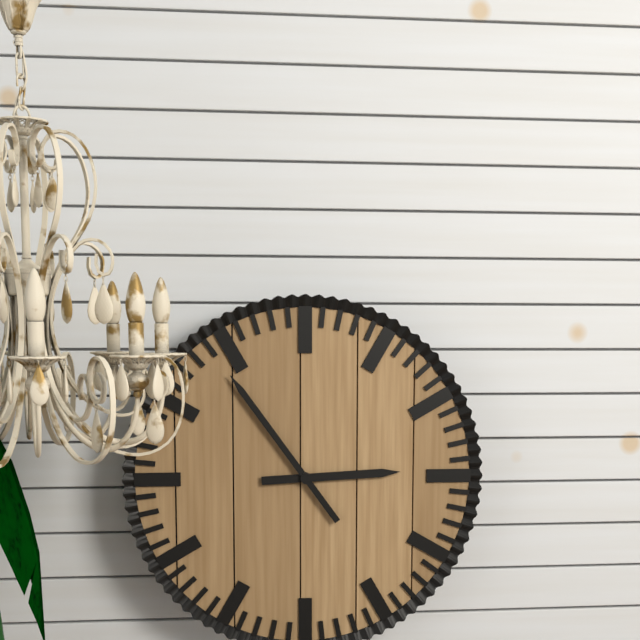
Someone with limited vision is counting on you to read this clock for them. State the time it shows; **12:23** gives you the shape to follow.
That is **2:54**
